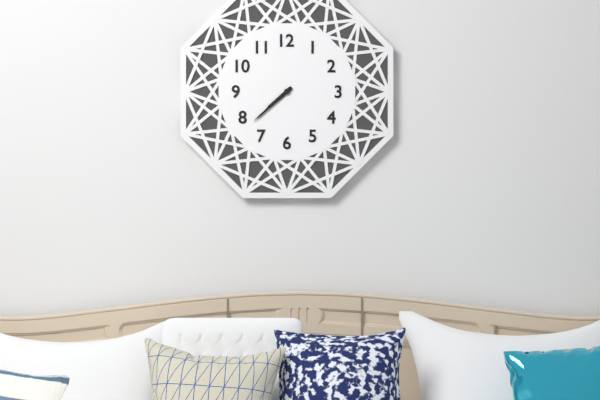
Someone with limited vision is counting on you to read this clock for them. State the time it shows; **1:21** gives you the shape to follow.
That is **7:38**
